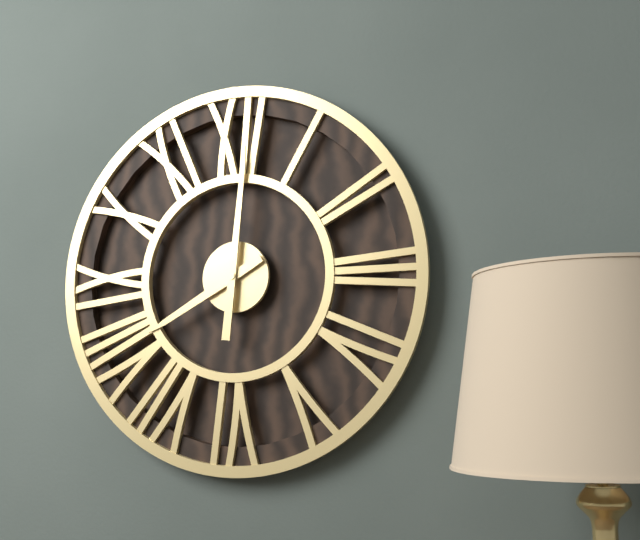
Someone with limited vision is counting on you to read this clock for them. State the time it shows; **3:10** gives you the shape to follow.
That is **8:01**
